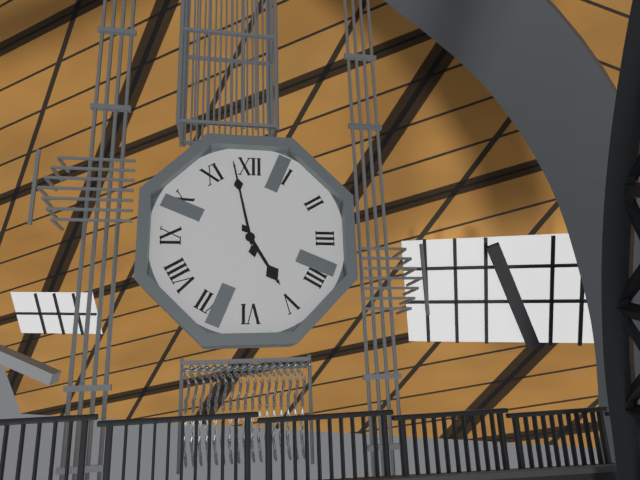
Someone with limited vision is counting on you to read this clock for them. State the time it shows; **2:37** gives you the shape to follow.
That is **4:58**
